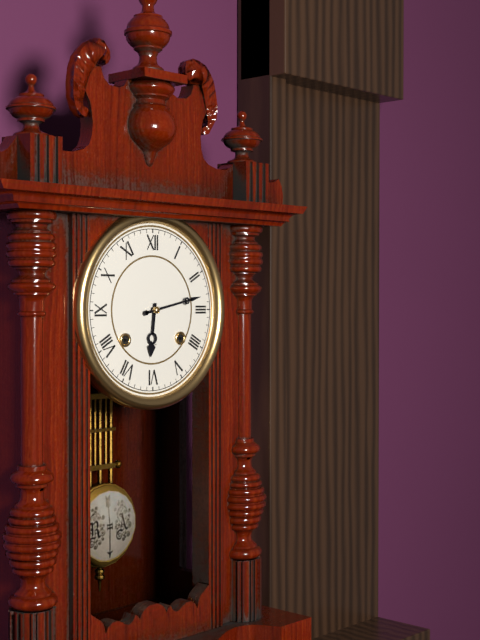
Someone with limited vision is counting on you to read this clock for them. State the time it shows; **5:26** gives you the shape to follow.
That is **6:13**
